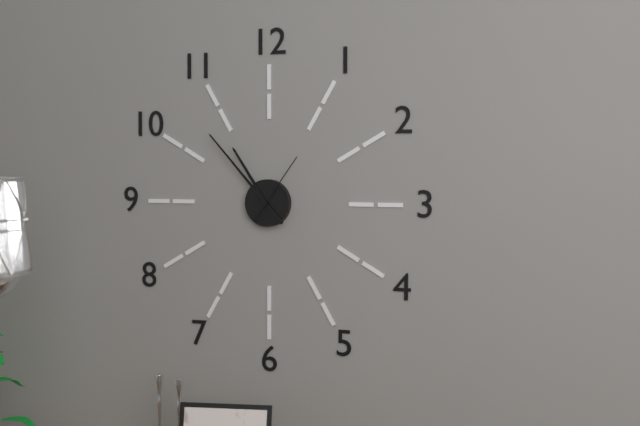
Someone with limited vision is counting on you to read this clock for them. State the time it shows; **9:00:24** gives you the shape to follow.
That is **10:53:06**
